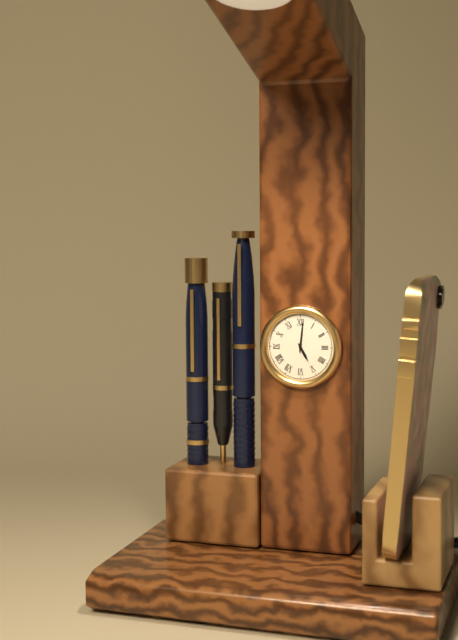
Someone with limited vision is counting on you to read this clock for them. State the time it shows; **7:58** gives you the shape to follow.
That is **5:01**
